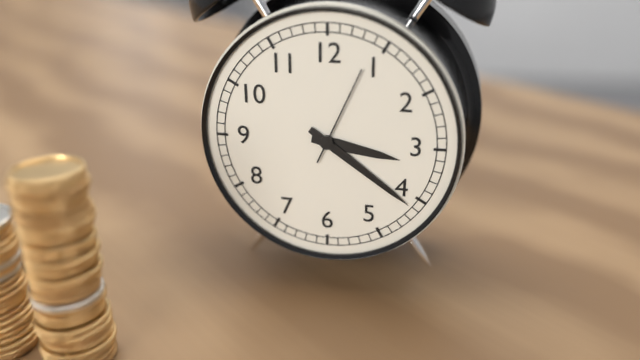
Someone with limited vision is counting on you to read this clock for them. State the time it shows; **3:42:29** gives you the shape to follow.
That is **3:21:04**
